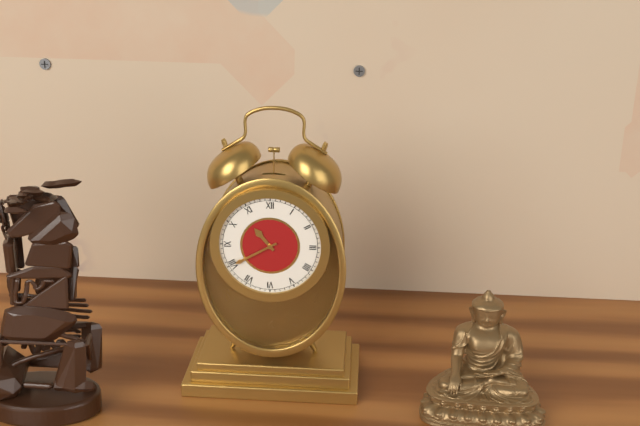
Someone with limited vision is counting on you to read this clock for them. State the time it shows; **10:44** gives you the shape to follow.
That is **10:40**
